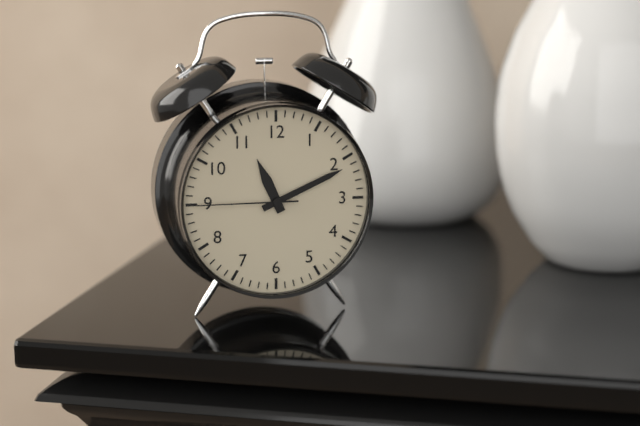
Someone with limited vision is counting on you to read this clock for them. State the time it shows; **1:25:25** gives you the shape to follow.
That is **11:11:45**
